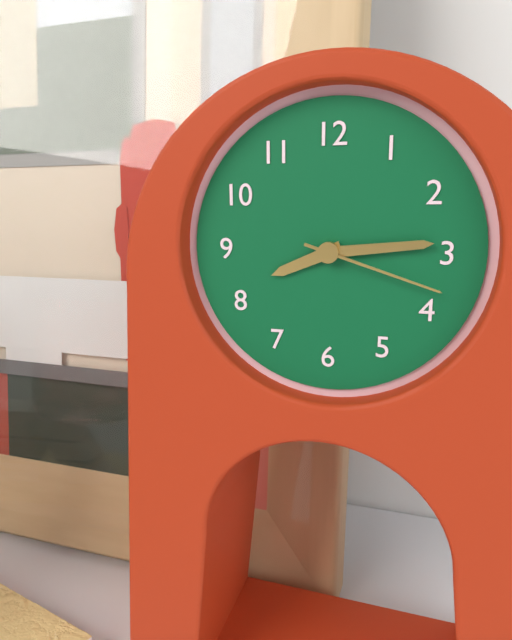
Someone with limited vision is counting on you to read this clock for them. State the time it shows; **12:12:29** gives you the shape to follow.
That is **8:14:18**
